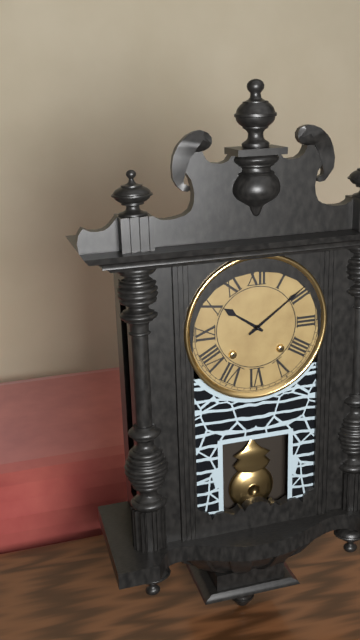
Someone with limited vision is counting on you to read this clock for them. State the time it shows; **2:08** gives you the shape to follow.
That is **10:09**
